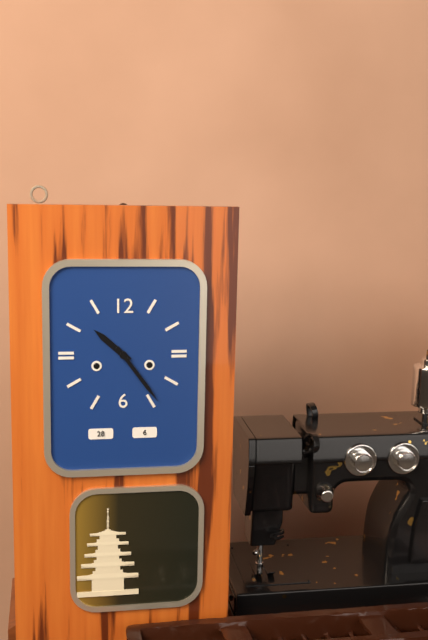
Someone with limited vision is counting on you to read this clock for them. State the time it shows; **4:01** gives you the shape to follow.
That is **10:24**
